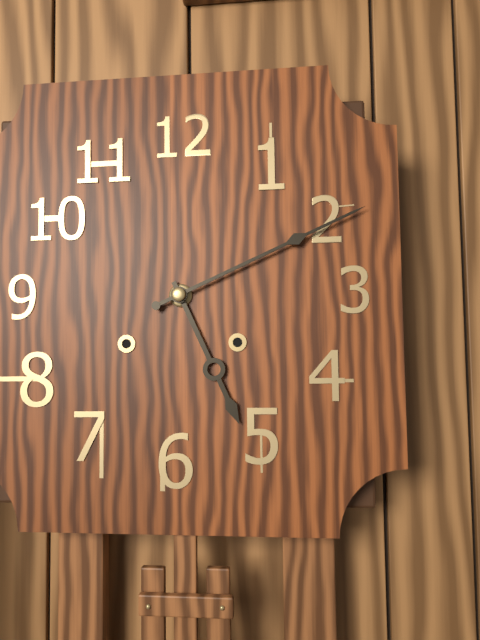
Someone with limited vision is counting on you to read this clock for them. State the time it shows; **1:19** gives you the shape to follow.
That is **5:11**
